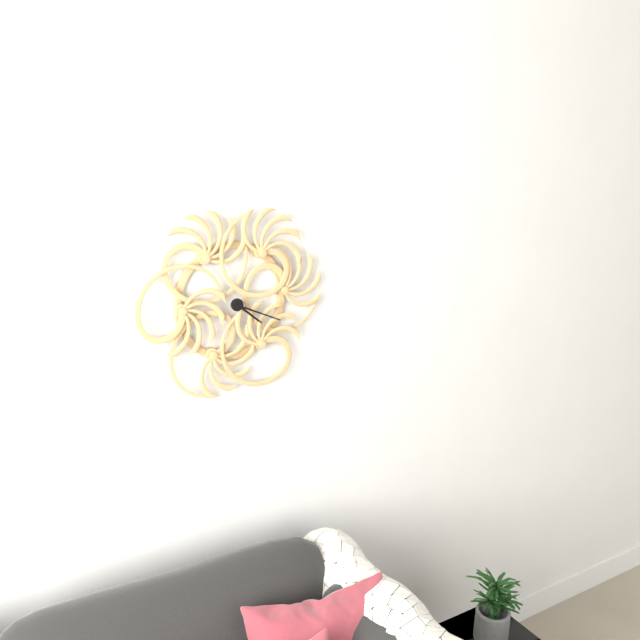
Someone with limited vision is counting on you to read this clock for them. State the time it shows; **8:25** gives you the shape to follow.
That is **4:19**
